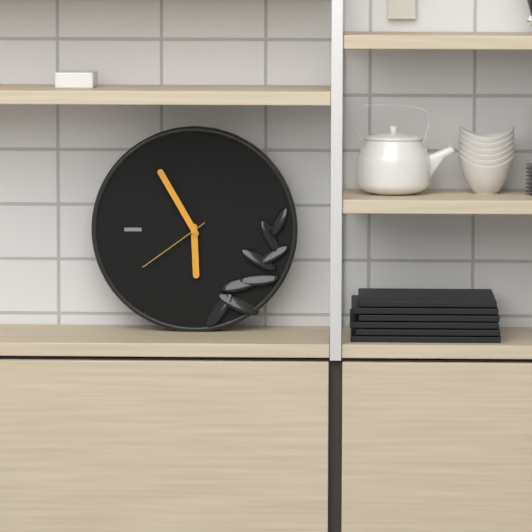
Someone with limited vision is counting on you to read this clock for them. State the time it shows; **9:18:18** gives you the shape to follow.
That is **5:55:39**
